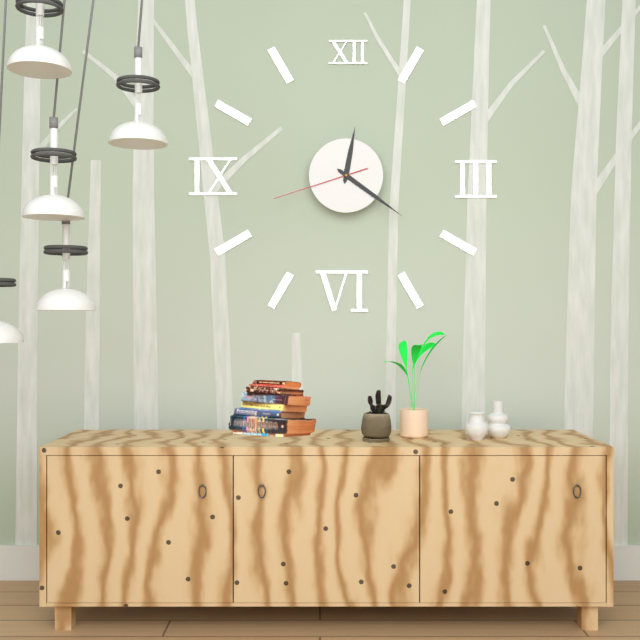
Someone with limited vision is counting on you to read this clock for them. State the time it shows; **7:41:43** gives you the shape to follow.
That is **12:21:42**
